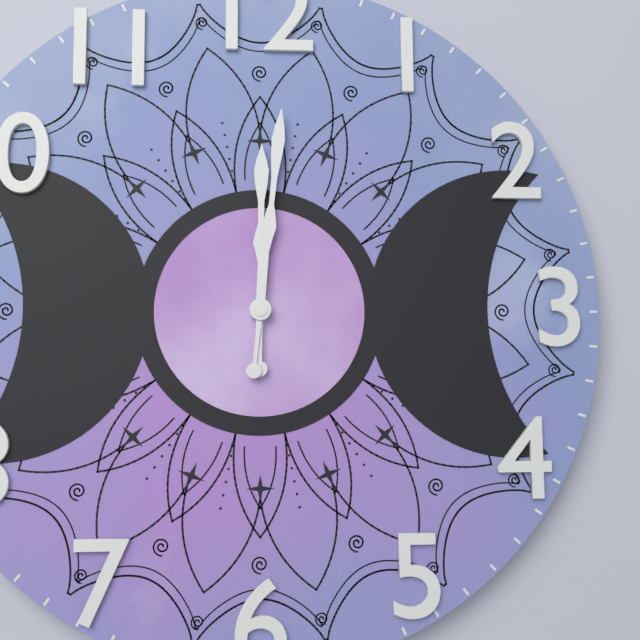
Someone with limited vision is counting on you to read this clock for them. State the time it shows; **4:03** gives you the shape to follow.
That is **12:01**
